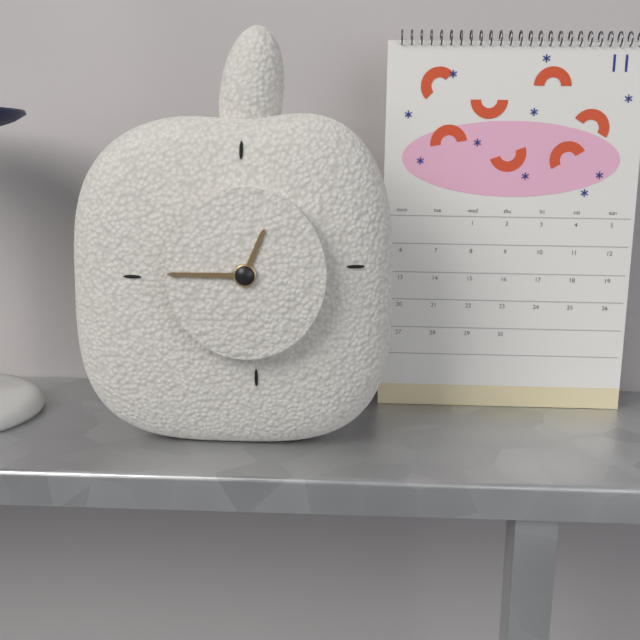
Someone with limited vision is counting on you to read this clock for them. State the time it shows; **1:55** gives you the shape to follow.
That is **12:45**
